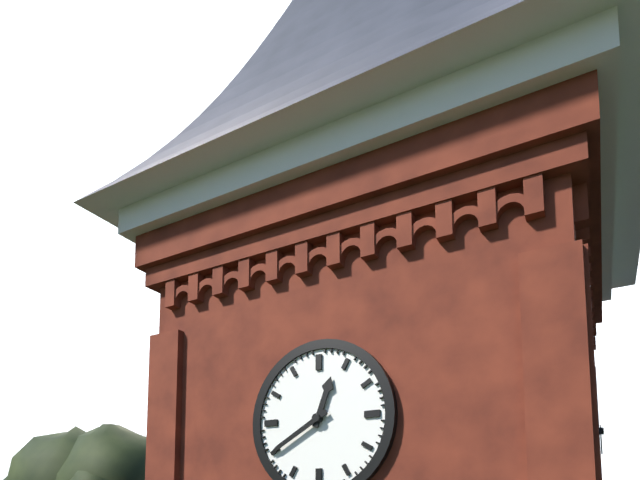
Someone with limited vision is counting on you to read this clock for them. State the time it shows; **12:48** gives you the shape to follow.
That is **12:40**
